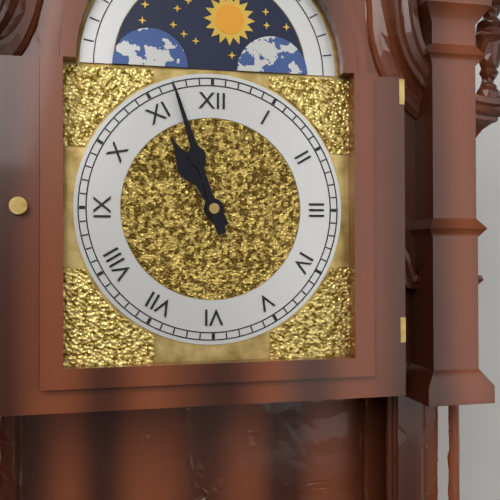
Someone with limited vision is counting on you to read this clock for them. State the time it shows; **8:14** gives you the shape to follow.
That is **10:57**
